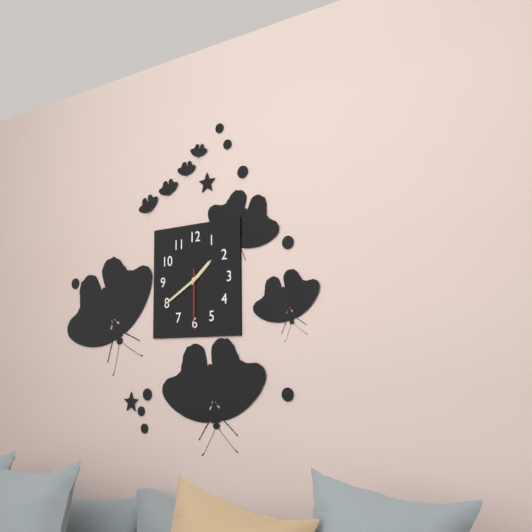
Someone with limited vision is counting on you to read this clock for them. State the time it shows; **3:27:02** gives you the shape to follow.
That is **1:40:30**
